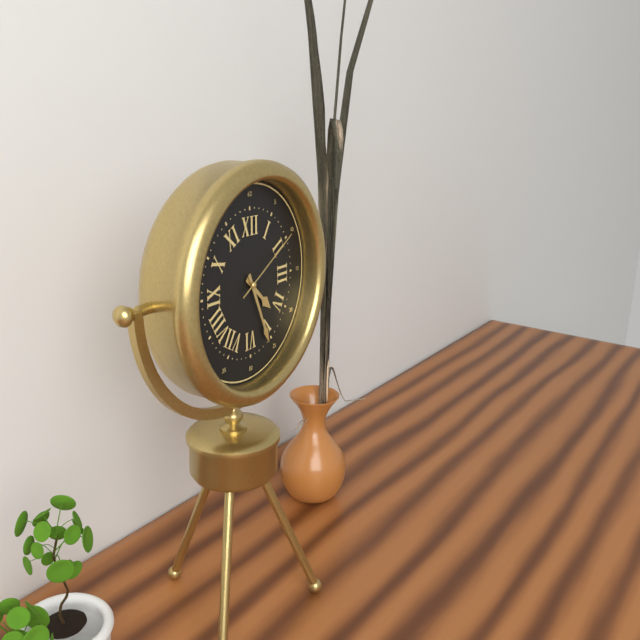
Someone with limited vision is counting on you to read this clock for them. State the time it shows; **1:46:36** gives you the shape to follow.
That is **4:26:10**
